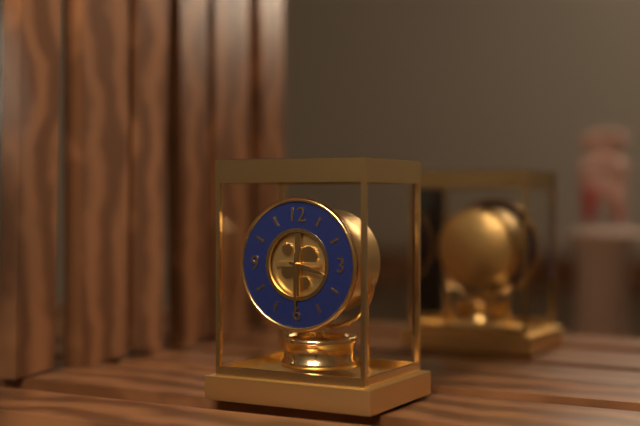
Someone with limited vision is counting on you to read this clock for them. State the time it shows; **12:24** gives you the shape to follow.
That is **3:30**
